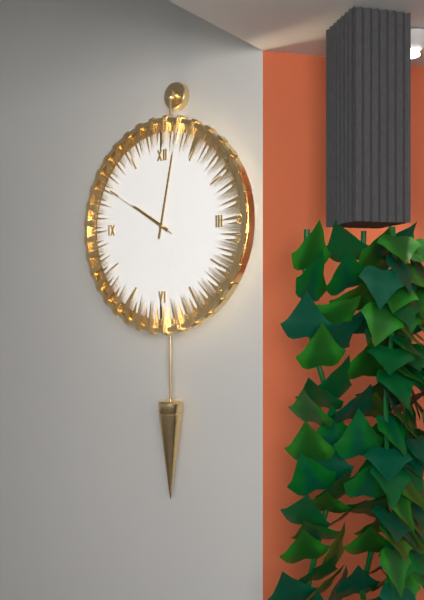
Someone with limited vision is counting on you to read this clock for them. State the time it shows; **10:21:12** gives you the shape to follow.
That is **10:02:50**
